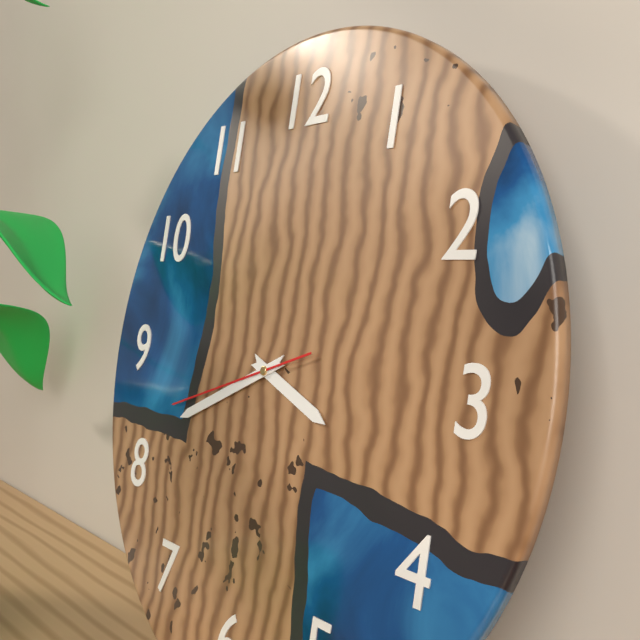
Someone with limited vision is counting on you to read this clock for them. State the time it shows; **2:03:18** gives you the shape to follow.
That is **3:41:42**
